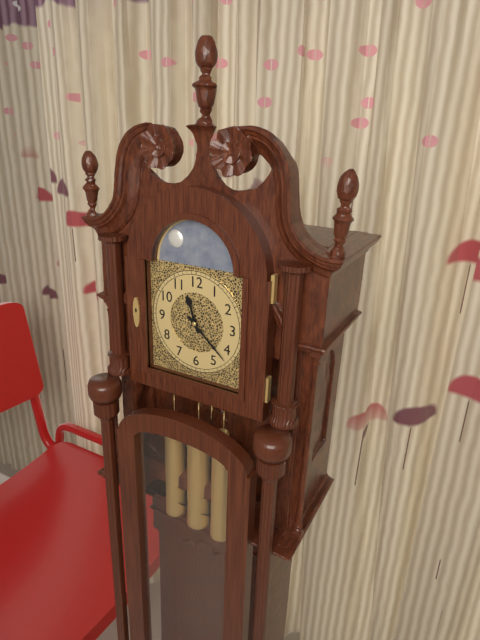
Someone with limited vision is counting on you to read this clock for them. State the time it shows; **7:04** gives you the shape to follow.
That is **11:22**
